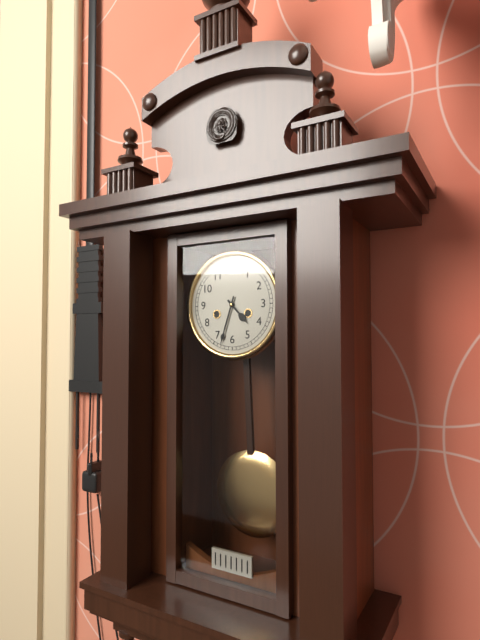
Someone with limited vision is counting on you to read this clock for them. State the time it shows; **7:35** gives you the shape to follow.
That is **4:33**
